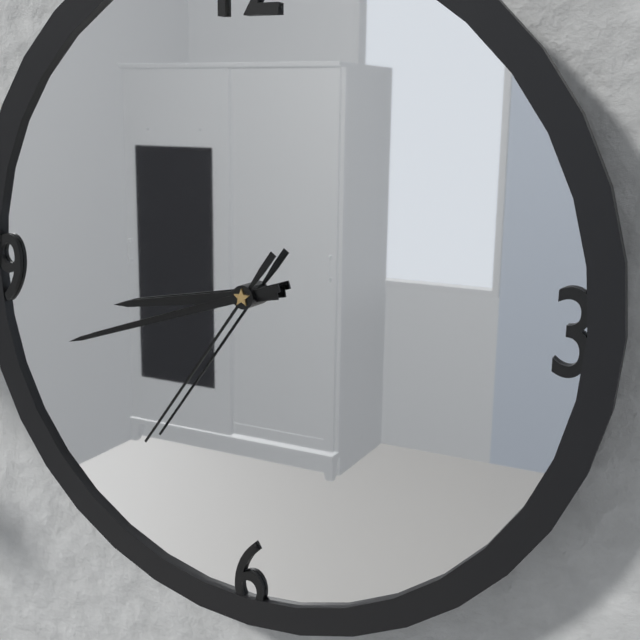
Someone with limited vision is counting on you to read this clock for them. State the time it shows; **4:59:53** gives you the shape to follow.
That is **8:42:36**
